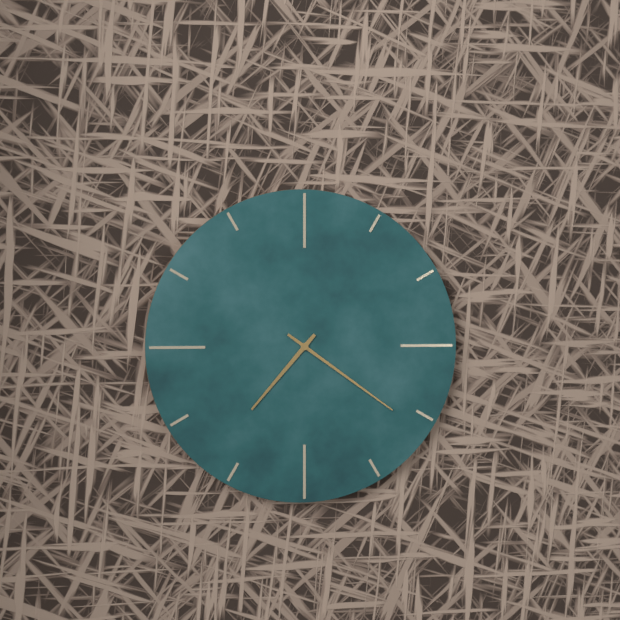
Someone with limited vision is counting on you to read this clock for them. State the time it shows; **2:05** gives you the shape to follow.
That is **7:21**
